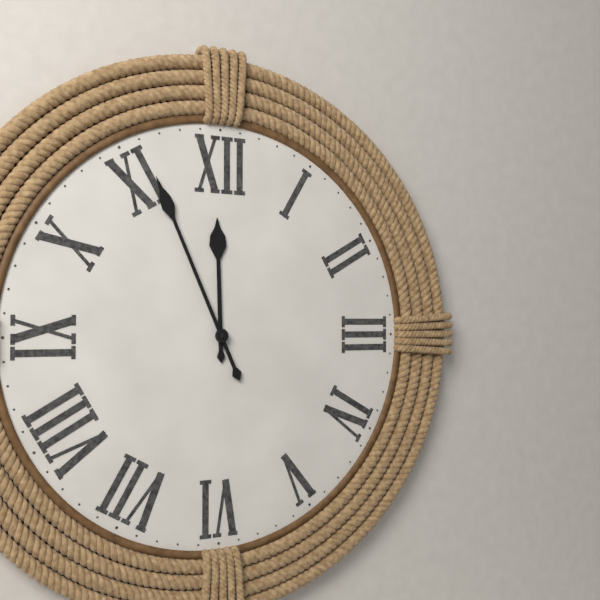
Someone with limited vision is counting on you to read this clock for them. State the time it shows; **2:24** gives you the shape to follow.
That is **11:56**
